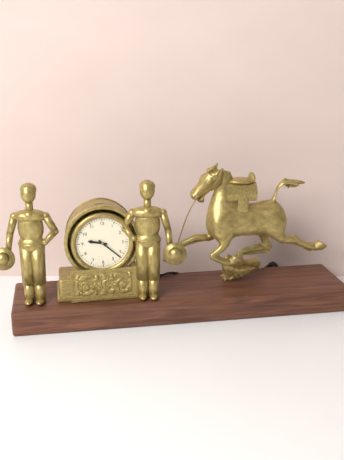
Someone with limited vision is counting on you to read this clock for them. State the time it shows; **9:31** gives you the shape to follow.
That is **9:22**
